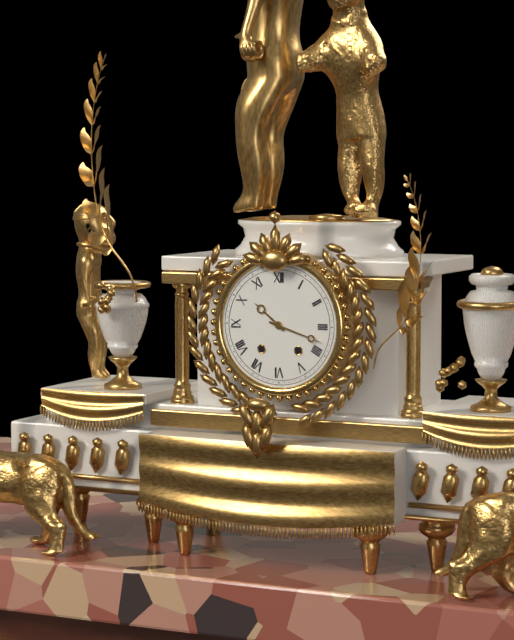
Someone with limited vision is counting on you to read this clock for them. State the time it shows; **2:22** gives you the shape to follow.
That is **10:18**
